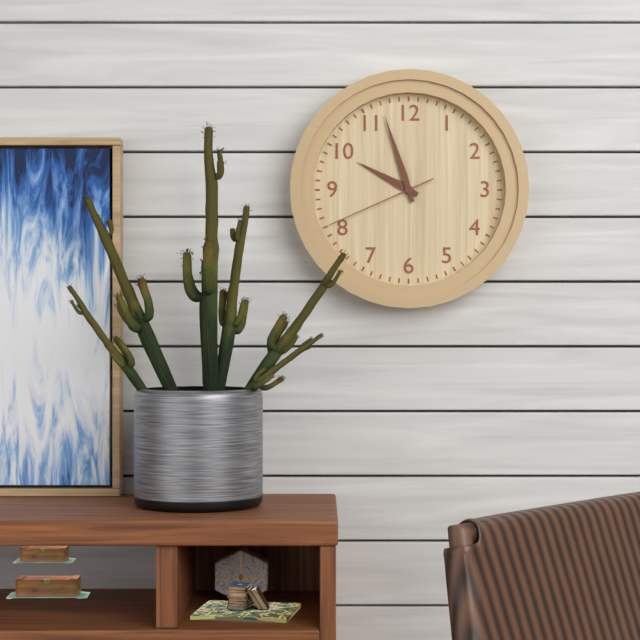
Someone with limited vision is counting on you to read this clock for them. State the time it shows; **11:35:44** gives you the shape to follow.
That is **9:57:41**
